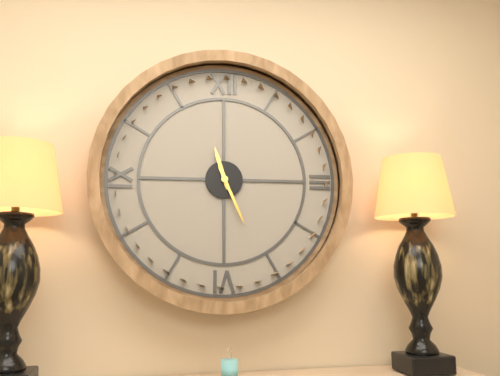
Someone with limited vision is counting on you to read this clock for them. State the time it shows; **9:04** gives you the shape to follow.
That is **11:26**
